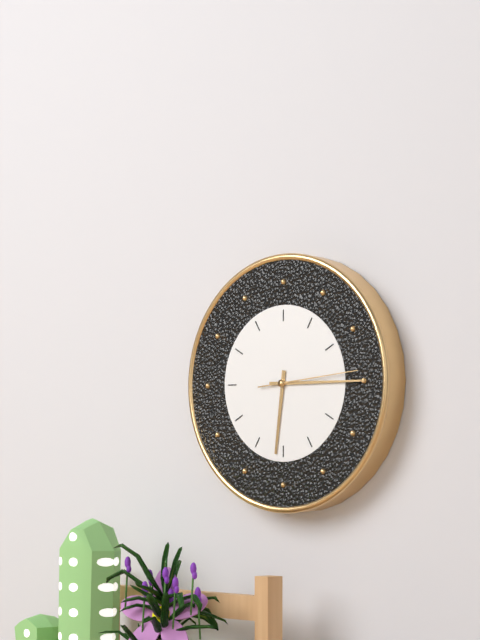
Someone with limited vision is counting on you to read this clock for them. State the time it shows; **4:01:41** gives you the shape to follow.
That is **6:15:14**
